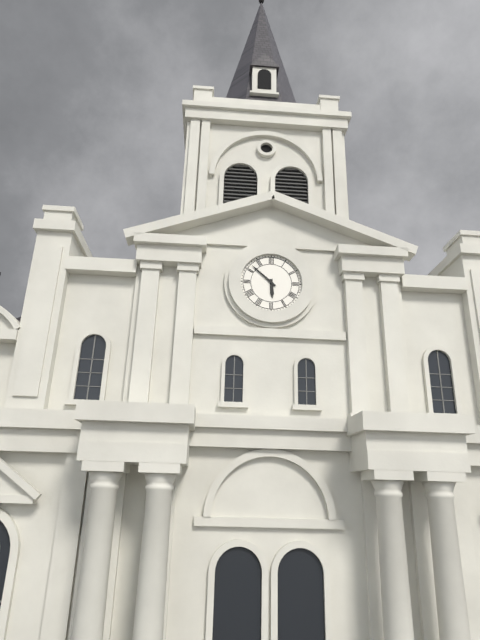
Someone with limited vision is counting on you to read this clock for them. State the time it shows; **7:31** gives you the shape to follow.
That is **5:52**
